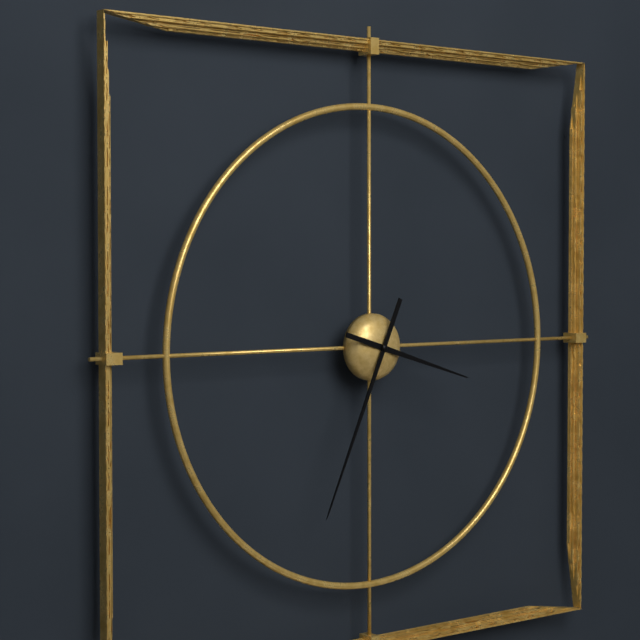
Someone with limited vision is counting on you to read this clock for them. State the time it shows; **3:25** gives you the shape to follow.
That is **3:34**
